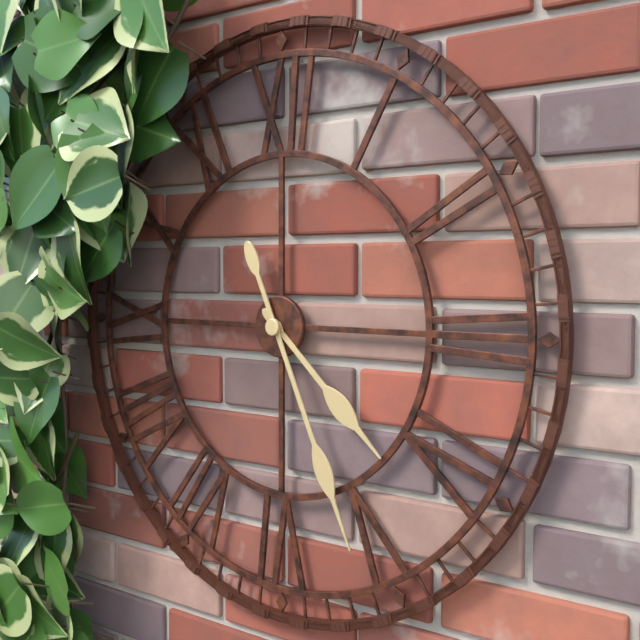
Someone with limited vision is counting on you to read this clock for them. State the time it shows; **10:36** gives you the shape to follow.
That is **4:26**
